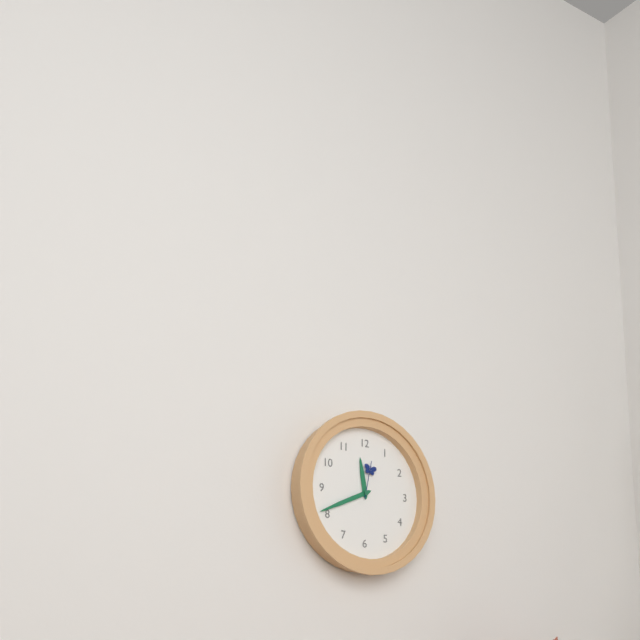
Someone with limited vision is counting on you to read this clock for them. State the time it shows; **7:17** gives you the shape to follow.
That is **11:41**
